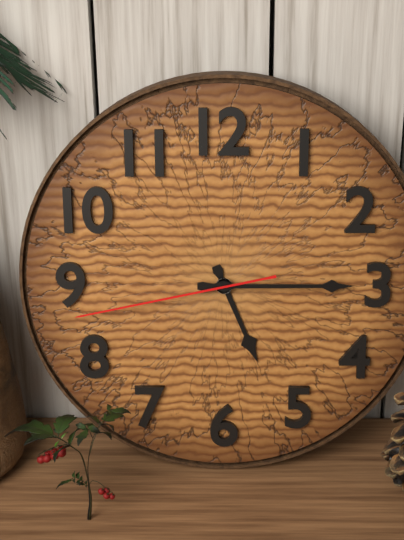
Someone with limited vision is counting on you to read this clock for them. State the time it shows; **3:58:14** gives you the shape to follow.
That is **5:15:43**
